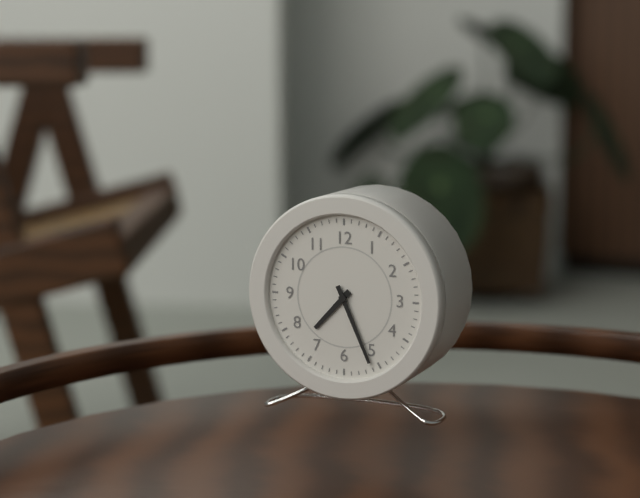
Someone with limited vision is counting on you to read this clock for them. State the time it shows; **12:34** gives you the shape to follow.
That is **7:26**
